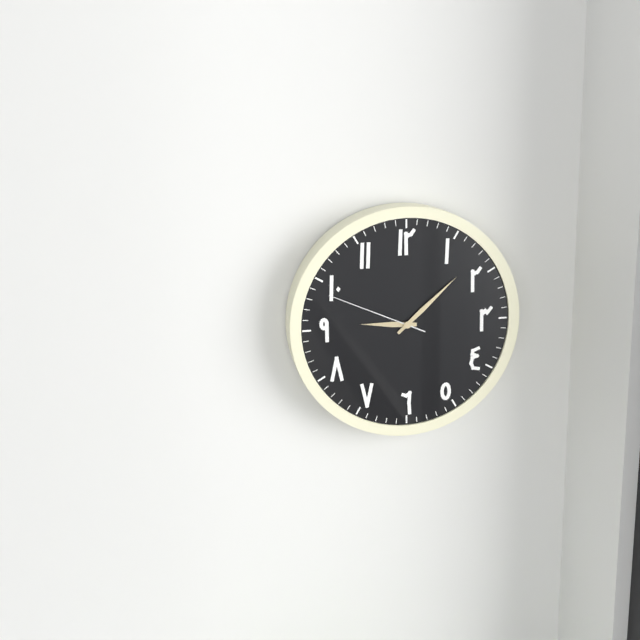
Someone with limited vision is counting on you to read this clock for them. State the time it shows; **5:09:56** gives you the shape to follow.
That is **9:08:49**
